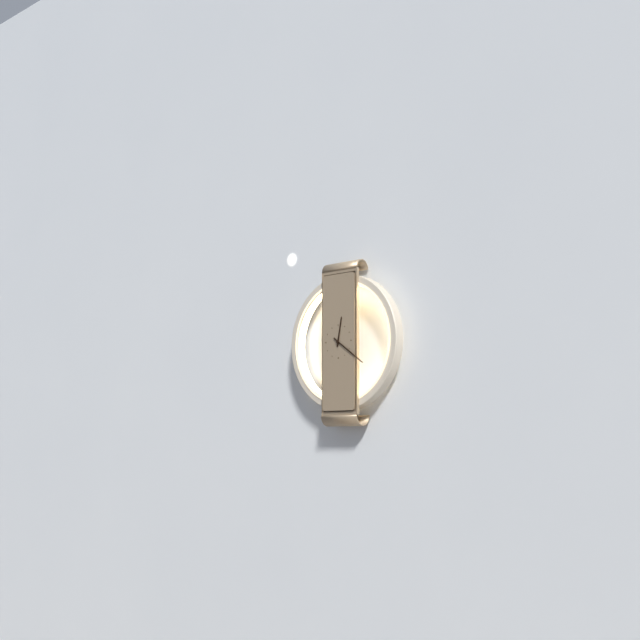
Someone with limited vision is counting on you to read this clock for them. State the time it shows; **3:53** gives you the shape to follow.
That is **12:21**
